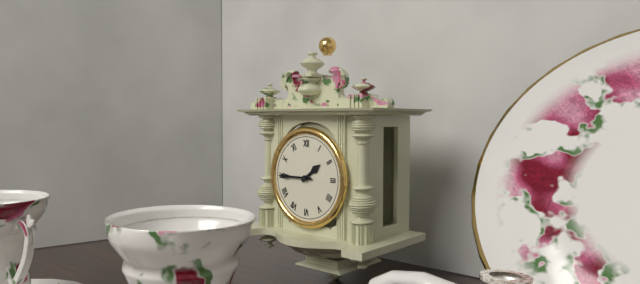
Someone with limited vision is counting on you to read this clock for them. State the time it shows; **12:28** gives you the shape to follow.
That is **1:45**
